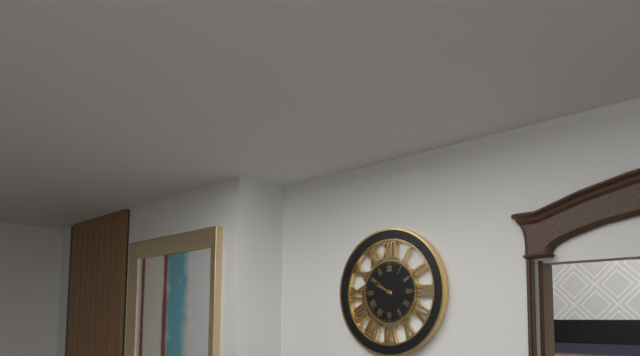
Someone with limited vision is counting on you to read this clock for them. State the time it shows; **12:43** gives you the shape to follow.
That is **9:51**
